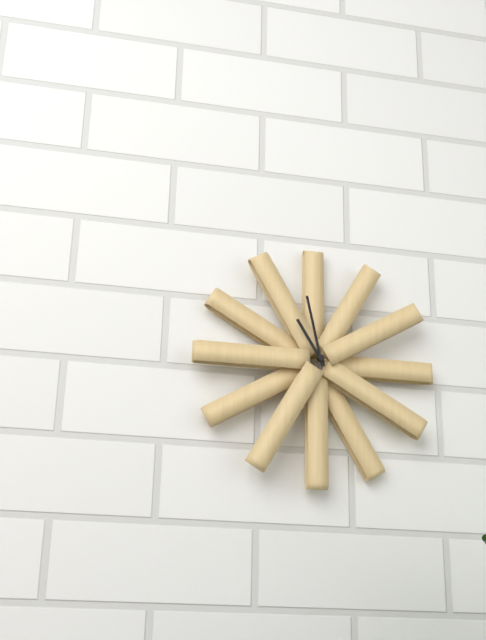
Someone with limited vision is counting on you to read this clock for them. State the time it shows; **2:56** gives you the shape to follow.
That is **10:58**
